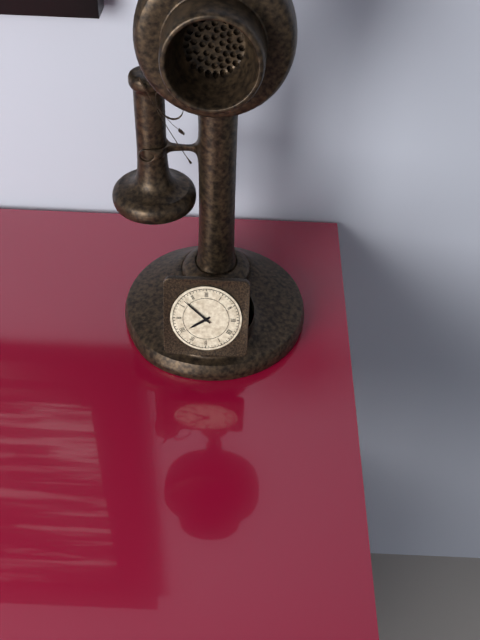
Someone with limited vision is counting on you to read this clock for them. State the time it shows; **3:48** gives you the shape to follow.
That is **7:52**
